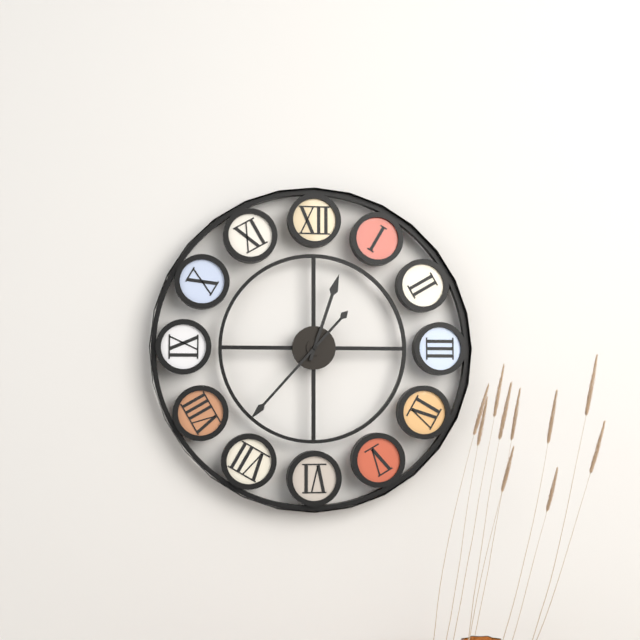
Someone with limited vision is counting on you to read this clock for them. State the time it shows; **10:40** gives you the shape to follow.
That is **12:37**
